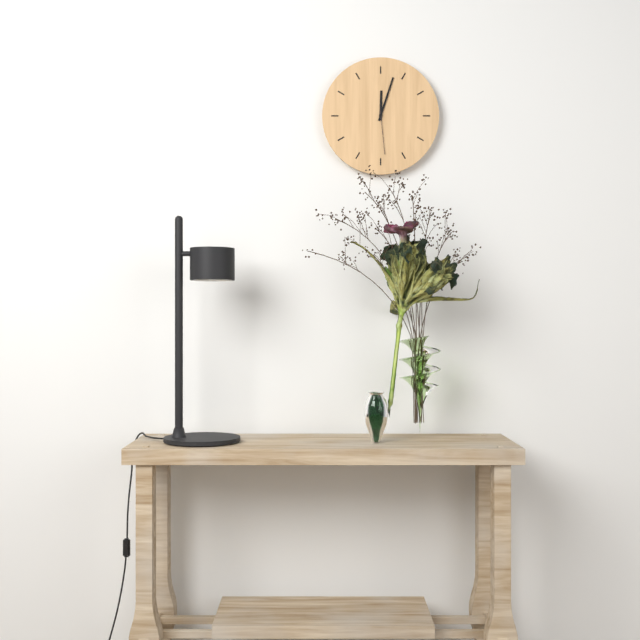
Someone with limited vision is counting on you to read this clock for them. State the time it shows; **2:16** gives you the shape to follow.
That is **12:03**
